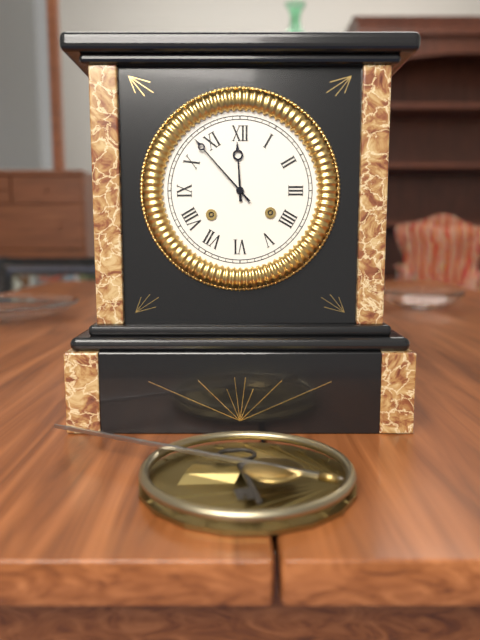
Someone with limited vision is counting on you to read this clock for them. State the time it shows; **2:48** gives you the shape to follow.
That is **11:53**
